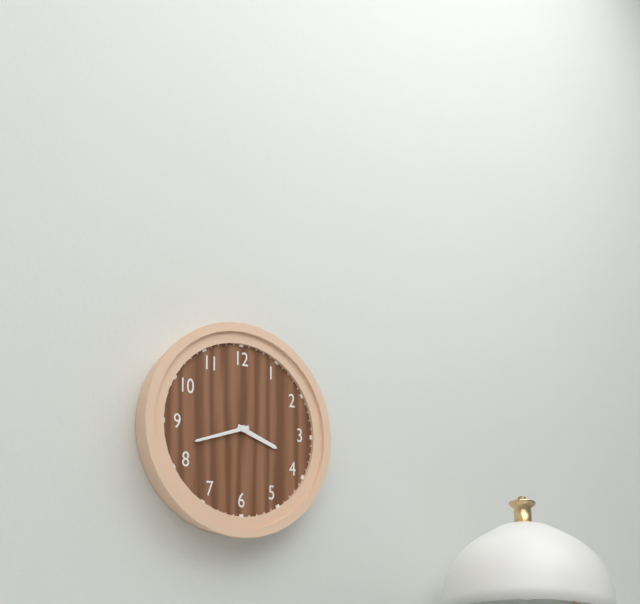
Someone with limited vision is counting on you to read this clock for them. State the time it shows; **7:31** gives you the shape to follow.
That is **3:42**
